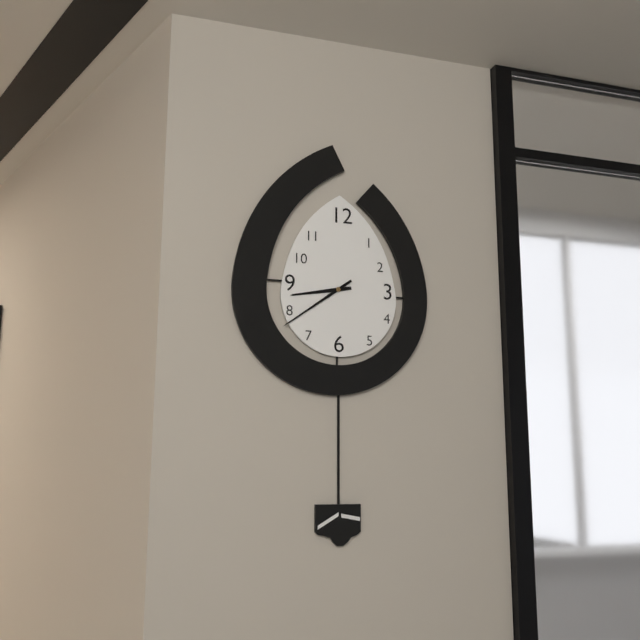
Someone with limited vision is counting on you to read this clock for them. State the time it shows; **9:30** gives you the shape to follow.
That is **8:39**
